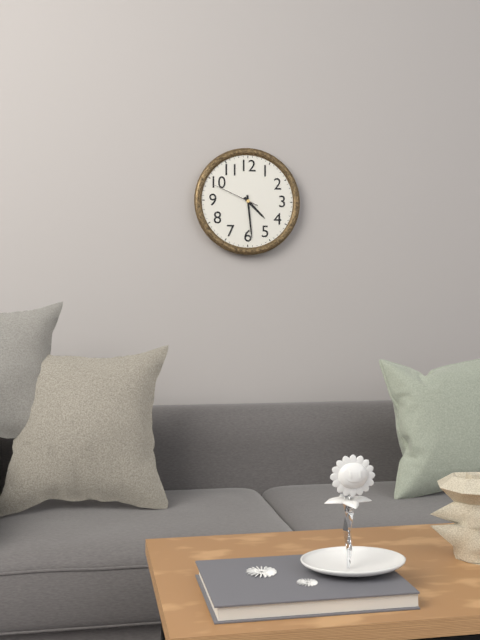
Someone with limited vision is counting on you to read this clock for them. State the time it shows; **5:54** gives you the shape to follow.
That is **4:29**
